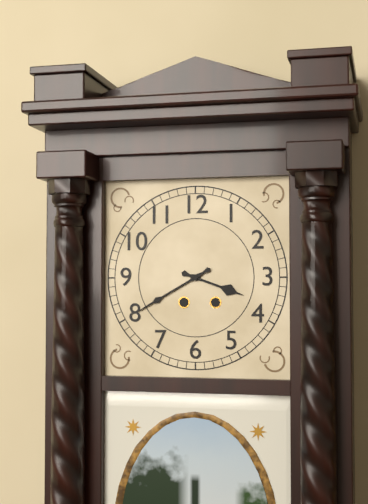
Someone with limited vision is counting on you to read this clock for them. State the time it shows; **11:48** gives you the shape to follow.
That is **3:40**
